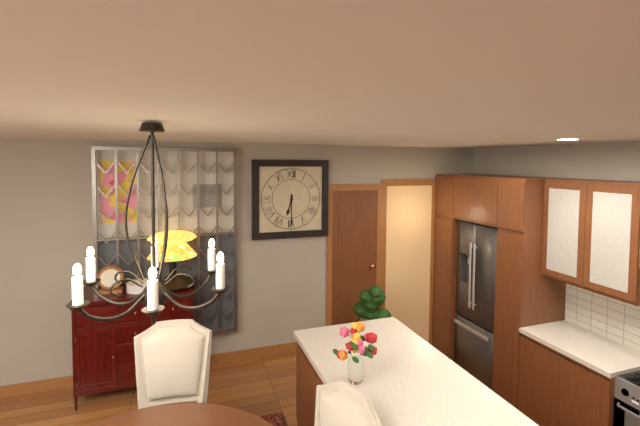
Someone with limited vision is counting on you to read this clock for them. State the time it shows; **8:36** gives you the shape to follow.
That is **6:30**
